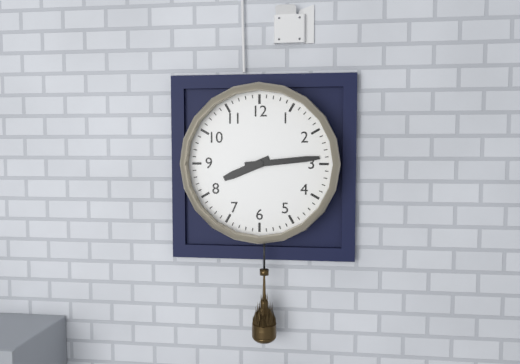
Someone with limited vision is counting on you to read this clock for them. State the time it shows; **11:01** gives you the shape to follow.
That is **8:14**
